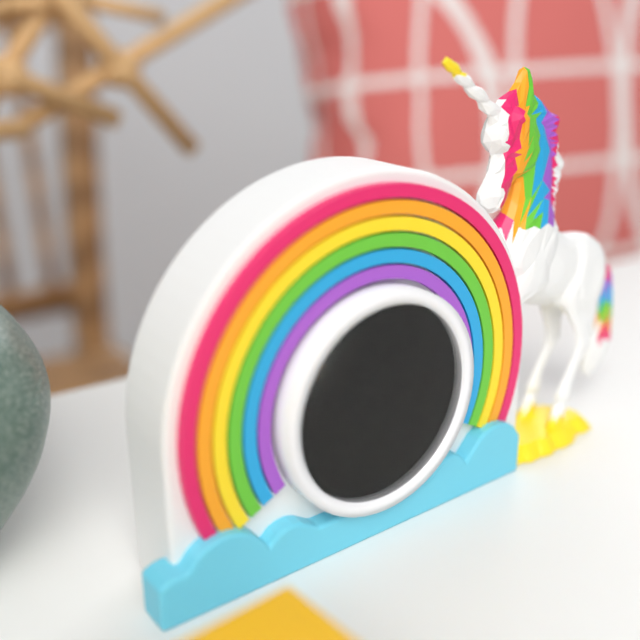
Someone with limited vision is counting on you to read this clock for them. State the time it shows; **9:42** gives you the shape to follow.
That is **2:58**
